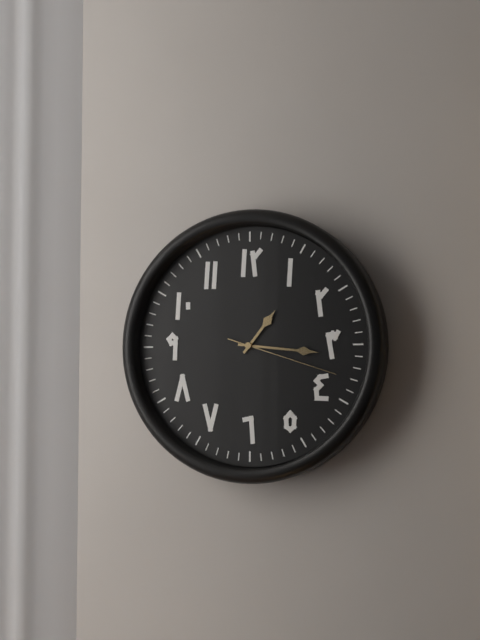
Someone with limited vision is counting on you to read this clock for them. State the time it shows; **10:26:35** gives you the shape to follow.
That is **1:16:18**
